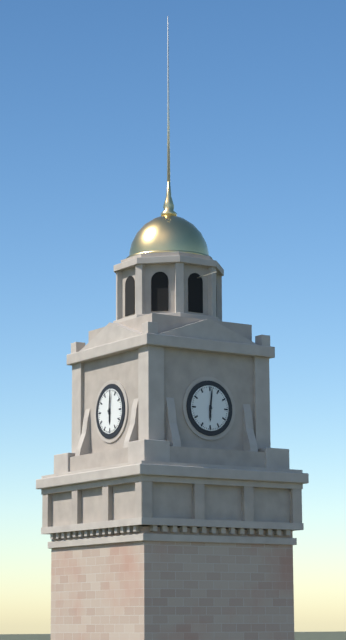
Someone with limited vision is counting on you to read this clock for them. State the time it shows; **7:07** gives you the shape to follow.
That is **6:01**
